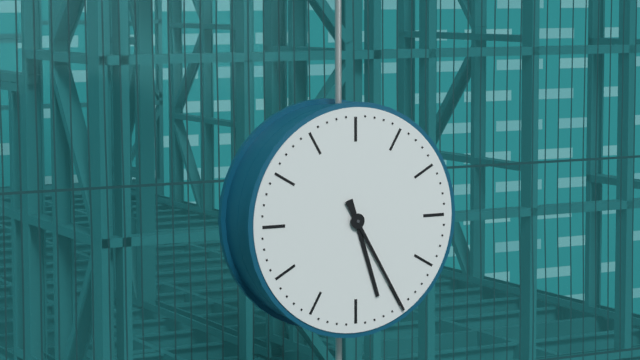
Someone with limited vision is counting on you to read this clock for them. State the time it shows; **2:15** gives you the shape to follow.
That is **5:25**
